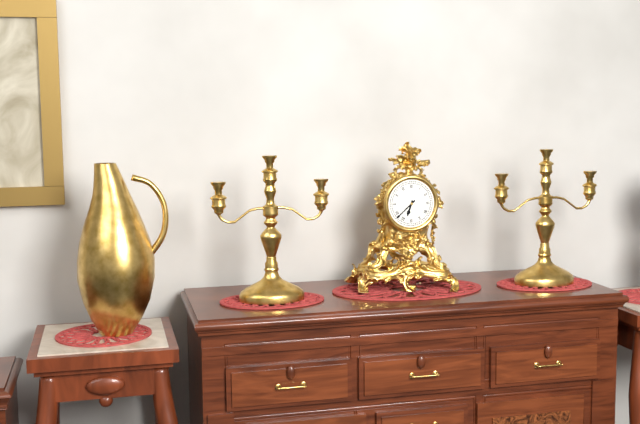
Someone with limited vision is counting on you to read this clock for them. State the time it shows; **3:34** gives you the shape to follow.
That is **6:38**
